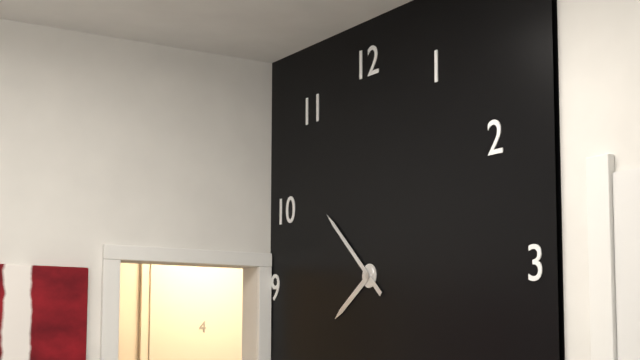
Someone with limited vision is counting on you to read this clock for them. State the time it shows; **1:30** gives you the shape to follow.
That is **7:52**
